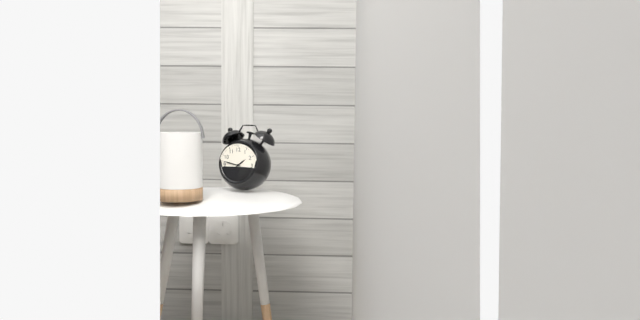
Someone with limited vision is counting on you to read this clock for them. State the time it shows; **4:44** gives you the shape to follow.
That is **1:47**
